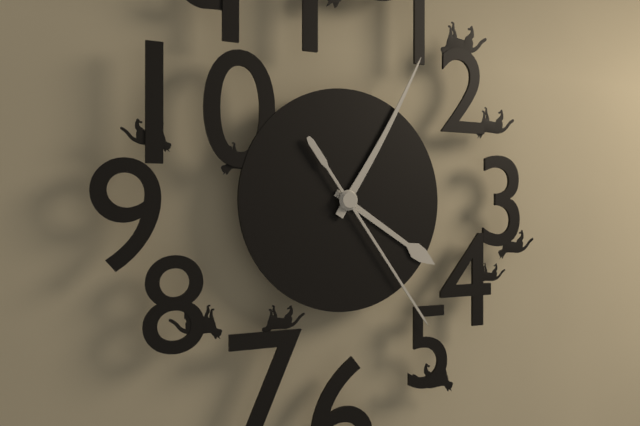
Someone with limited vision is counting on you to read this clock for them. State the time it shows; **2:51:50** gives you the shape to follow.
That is **4:05:24**
